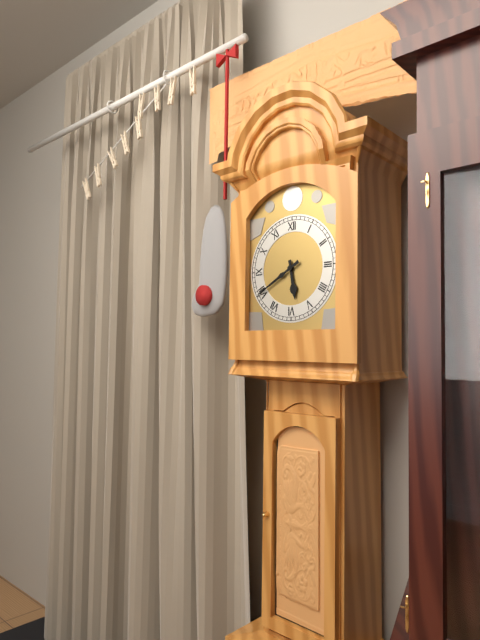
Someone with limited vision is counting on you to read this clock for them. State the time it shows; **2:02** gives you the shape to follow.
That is **5:40**
